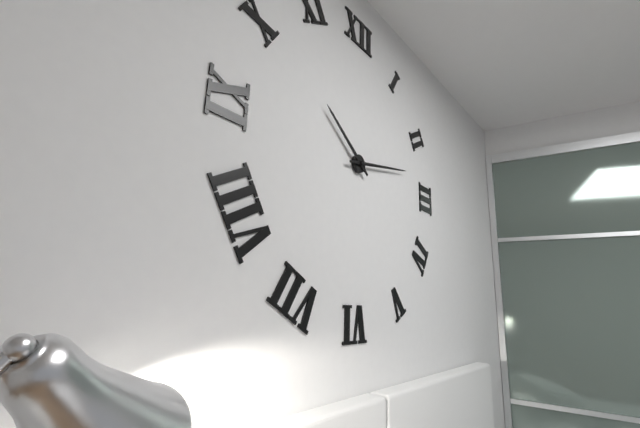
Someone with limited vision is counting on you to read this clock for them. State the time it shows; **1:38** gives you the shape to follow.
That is **10:13**
